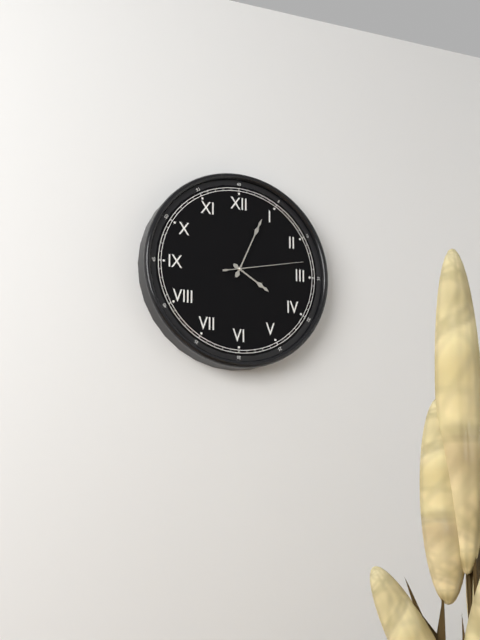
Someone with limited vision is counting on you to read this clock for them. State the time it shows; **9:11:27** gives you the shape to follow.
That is **4:04:13**
